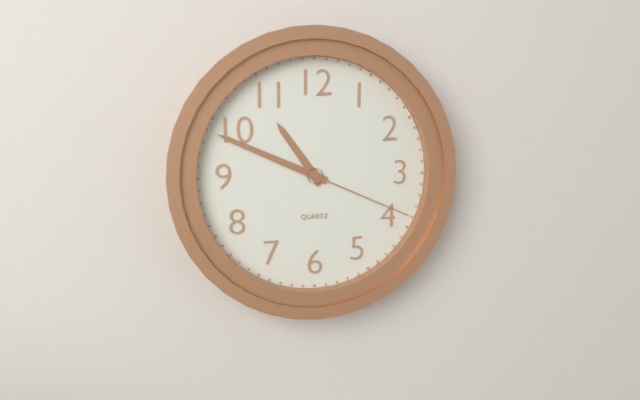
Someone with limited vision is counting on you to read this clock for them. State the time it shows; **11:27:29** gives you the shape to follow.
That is **10:49:19**
